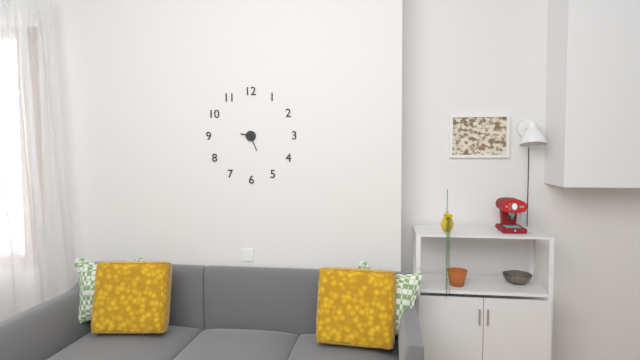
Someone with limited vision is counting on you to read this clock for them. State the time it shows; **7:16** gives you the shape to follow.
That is **9:26**
